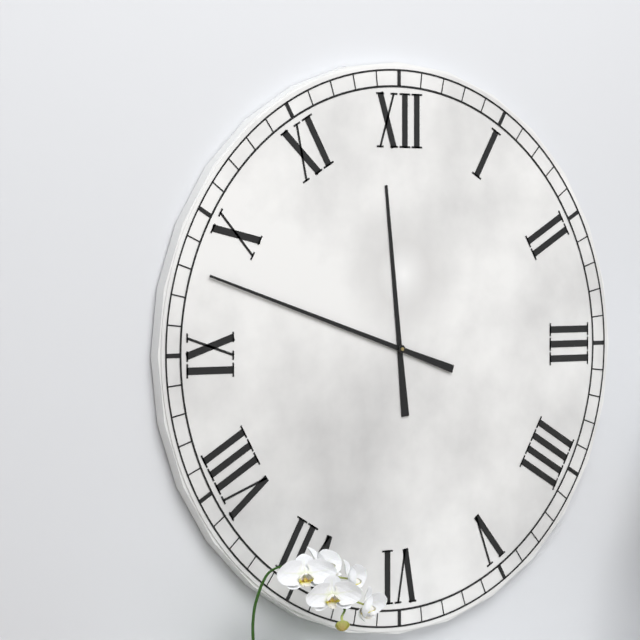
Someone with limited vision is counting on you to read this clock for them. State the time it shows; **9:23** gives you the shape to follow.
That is **11:48**
